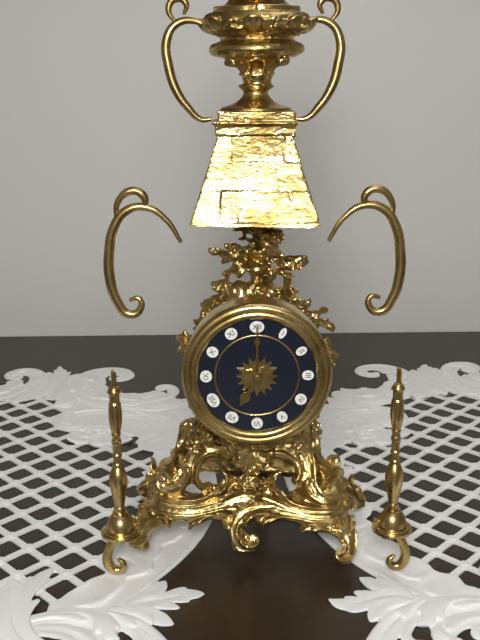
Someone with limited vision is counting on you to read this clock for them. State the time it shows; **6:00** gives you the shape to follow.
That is **7:00**
